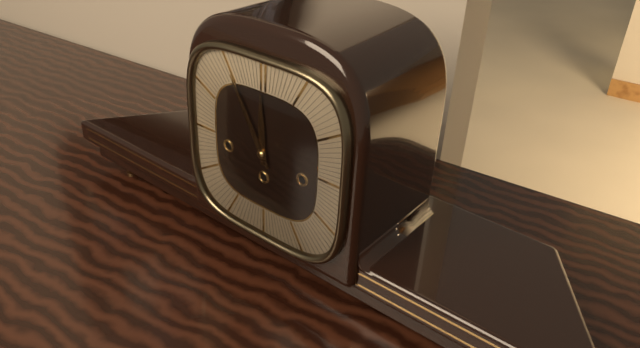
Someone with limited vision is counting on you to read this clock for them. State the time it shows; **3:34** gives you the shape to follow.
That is **11:55**
